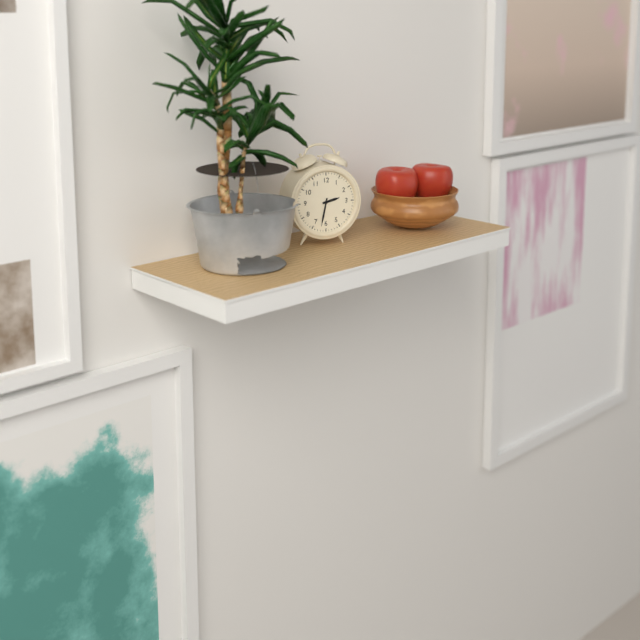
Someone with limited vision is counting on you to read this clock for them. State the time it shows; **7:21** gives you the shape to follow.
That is **2:32**
